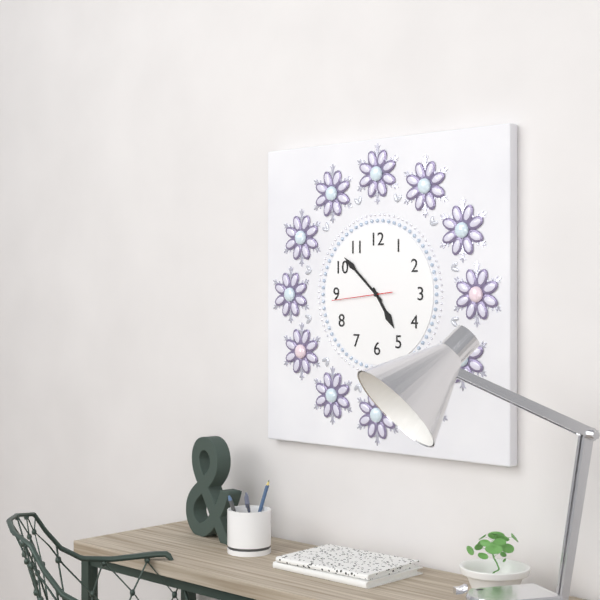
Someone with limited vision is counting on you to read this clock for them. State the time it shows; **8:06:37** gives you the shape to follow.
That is **4:52:44**
